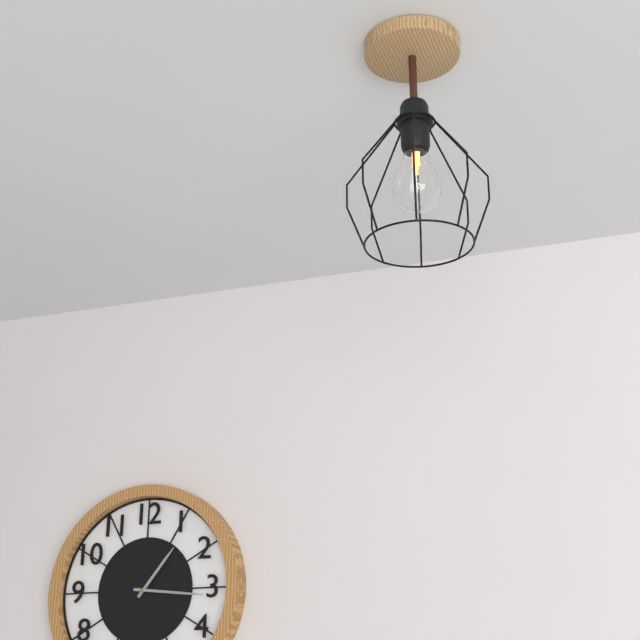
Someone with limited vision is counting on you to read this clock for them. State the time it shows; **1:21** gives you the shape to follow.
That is **1:16**
